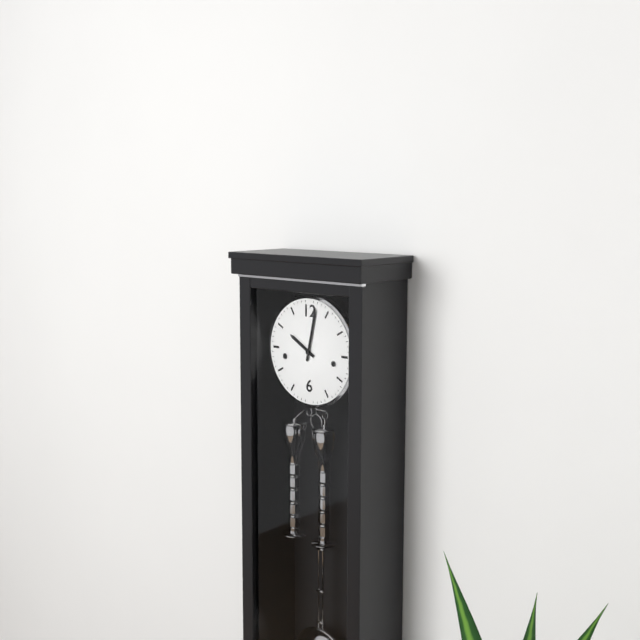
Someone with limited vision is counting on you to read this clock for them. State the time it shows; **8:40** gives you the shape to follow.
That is **10:02**
